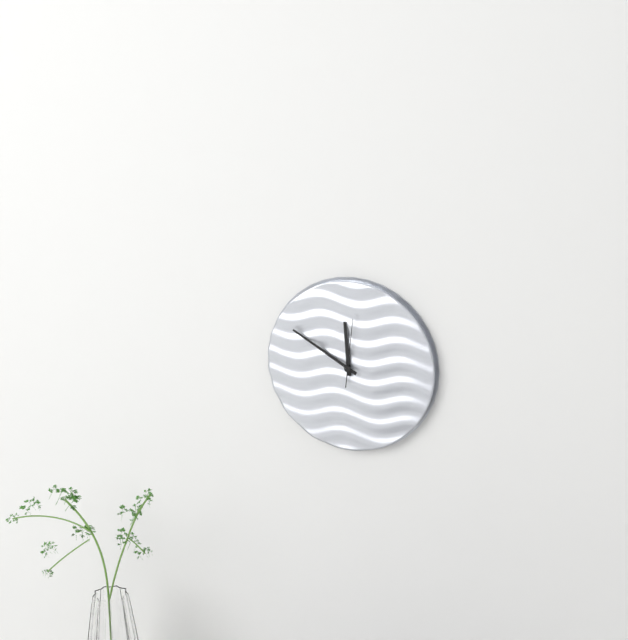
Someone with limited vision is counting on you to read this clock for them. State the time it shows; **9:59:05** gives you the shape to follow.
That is **11:50:01**
